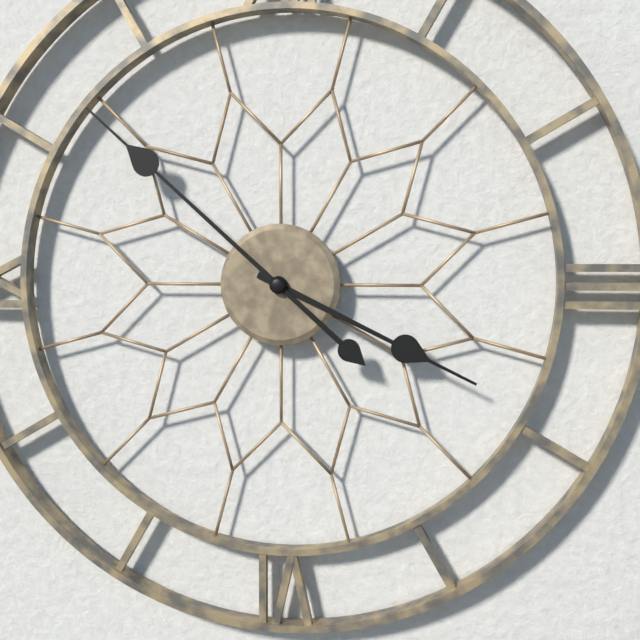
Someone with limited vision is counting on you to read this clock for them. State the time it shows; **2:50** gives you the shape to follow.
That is **3:52**
